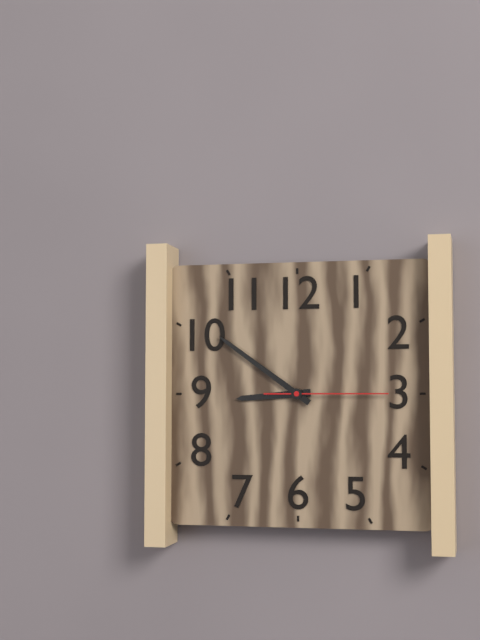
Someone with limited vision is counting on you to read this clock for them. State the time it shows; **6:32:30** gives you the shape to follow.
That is **8:51:15**
